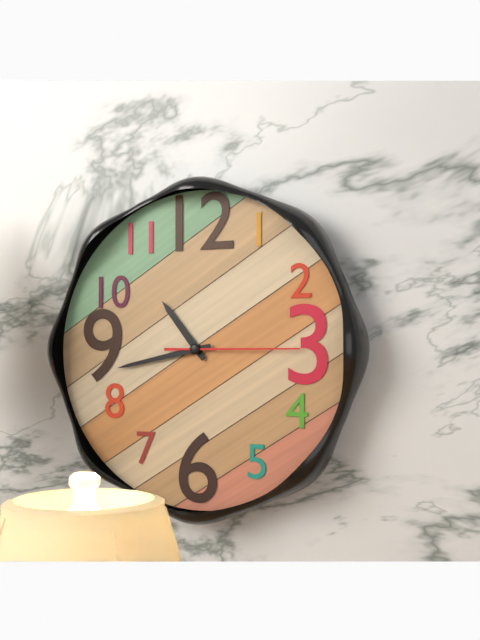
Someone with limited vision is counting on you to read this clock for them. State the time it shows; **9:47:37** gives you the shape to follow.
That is **10:43:15**
